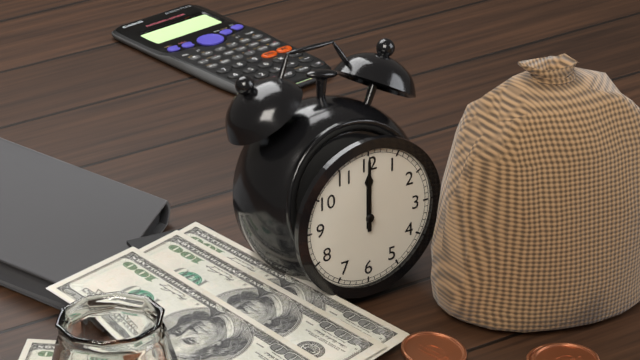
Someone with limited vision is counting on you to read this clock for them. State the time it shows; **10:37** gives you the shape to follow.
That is **12:00**
